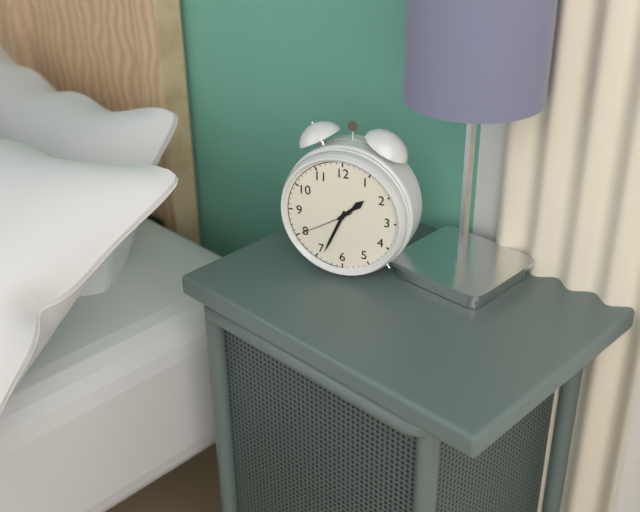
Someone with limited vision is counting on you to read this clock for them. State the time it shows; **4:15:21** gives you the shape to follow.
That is **1:34:40**
